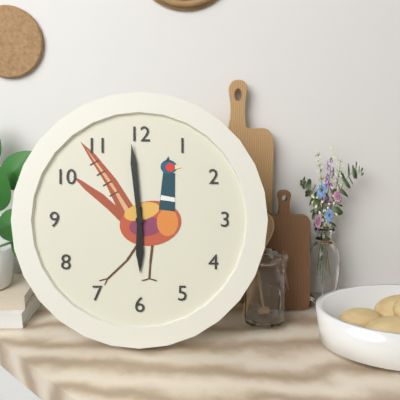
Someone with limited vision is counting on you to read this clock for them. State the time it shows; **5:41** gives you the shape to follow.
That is **5:59**
